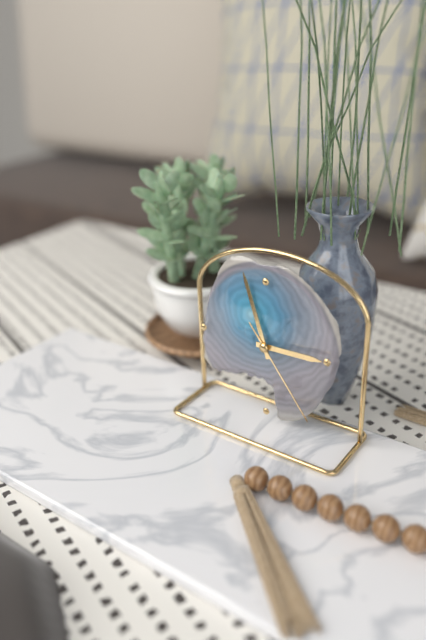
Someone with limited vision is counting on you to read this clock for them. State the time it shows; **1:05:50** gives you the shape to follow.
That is **2:57:24**
